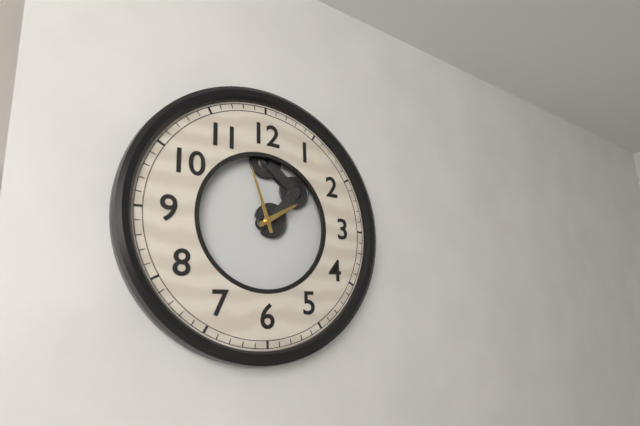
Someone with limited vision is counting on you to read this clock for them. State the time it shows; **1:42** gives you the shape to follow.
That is **1:57**
